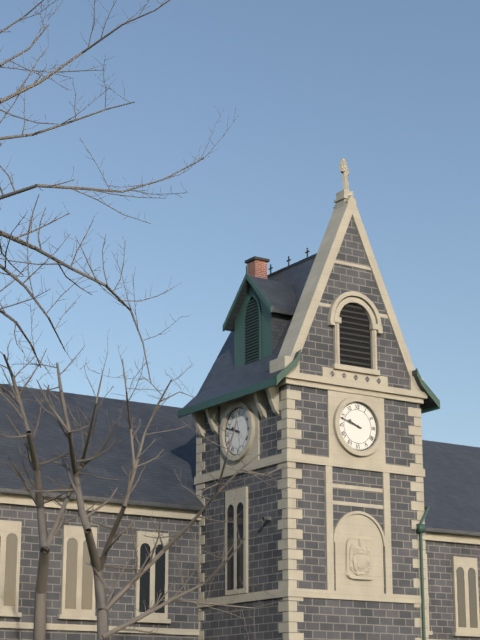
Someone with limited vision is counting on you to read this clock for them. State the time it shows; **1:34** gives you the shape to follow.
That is **9:48**
